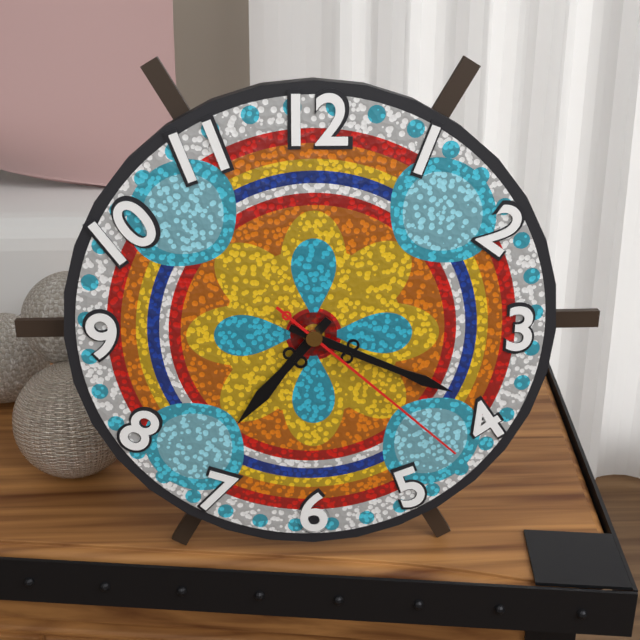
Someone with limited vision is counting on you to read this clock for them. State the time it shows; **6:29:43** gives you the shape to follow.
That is **7:19:22**
